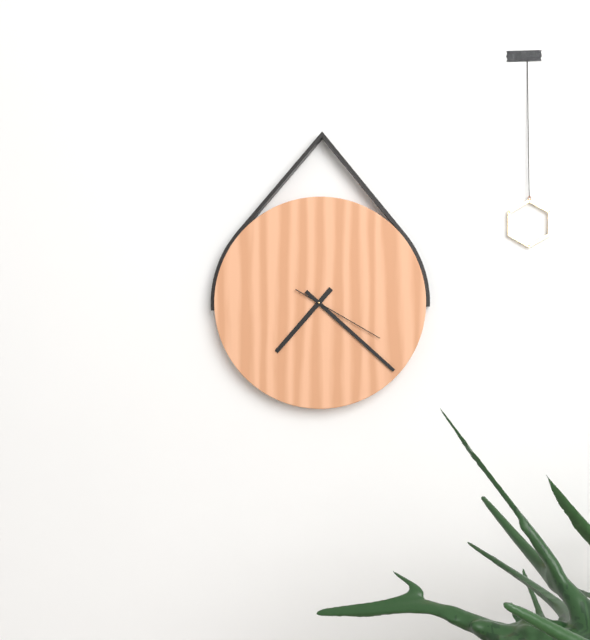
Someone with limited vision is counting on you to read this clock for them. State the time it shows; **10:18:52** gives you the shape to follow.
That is **7:22:20**
